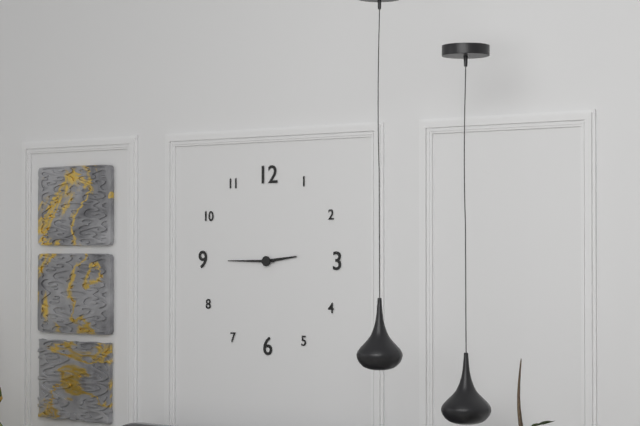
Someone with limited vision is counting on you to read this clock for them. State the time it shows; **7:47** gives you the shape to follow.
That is **2:45**
